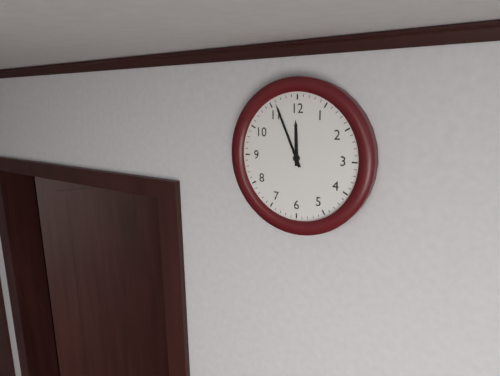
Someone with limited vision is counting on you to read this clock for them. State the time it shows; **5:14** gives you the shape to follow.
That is **11:56**
